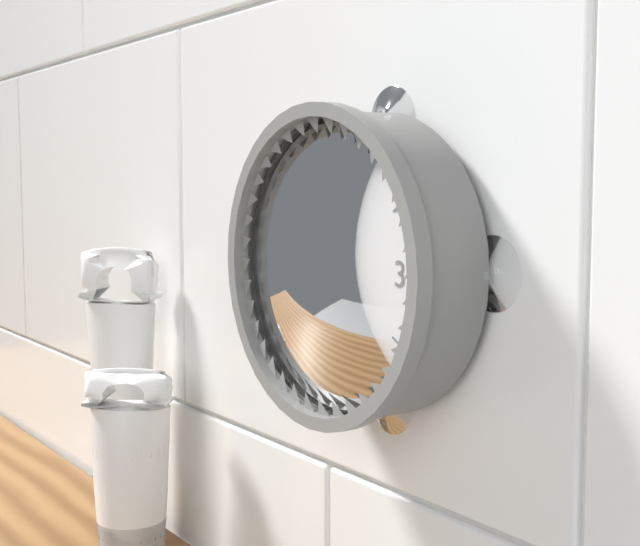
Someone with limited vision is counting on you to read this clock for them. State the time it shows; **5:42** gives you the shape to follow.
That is **8:45**
